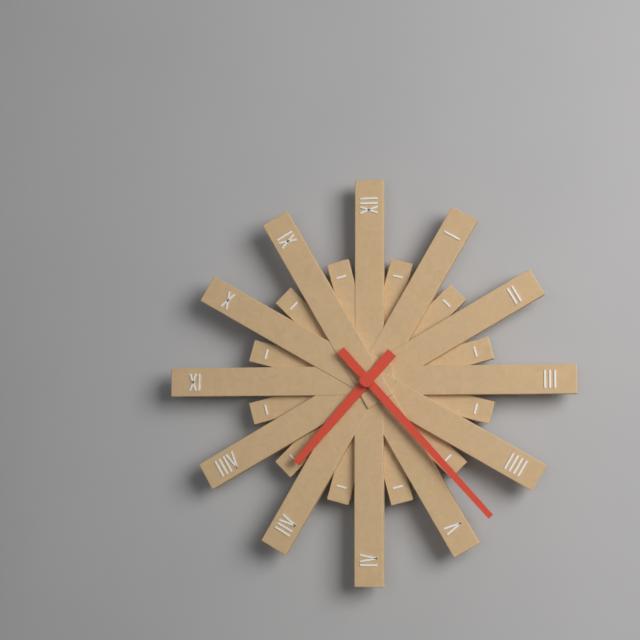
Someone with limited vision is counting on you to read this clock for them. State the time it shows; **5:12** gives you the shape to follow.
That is **7:23**
